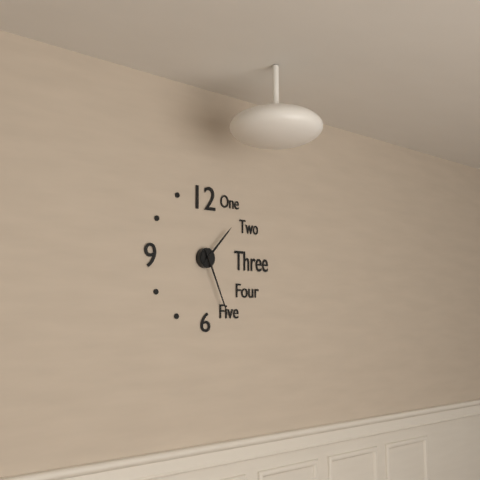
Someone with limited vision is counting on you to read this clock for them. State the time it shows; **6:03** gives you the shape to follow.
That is **1:26**
